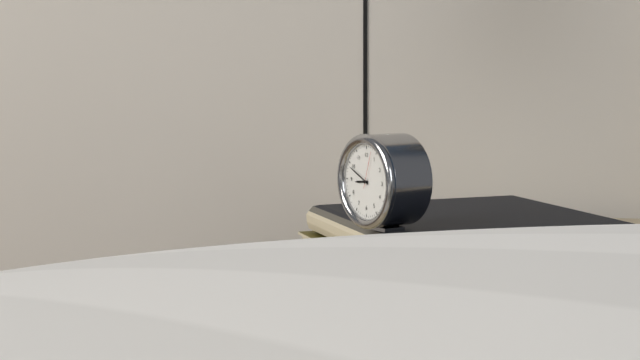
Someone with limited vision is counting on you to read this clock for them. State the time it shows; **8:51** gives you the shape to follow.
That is **8:49**
